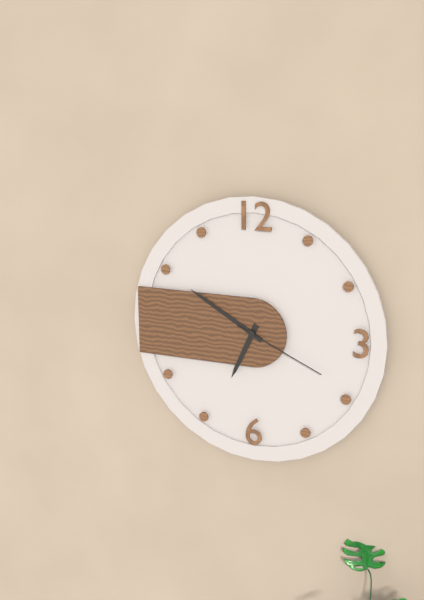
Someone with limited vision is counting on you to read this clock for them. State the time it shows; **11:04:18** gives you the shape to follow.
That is **6:50:19**
